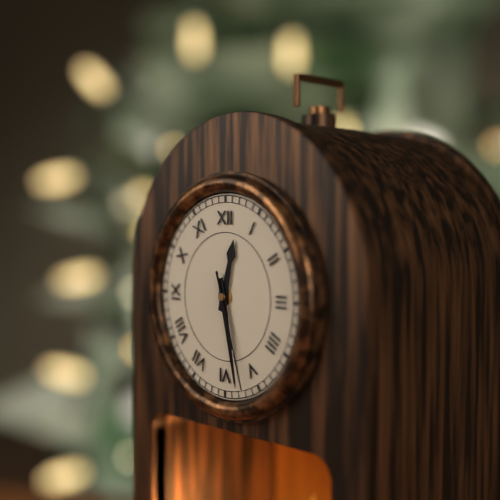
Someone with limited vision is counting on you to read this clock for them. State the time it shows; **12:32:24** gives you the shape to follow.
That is **12:28:27**
